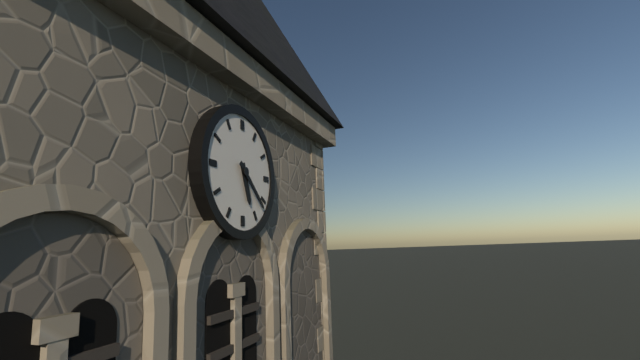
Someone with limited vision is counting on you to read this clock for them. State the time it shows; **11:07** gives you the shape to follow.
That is **5:22**
